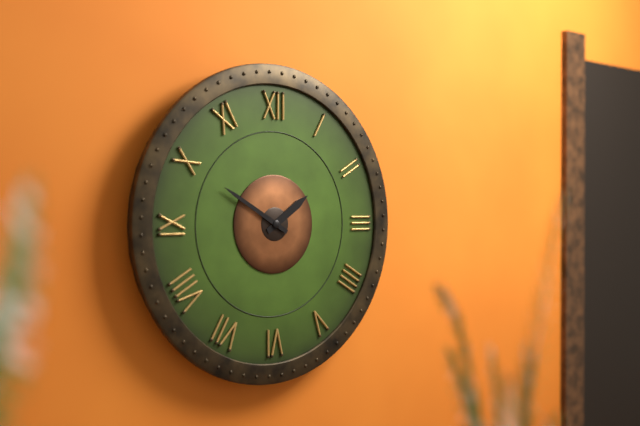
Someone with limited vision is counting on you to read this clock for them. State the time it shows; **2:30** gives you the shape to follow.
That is **1:50**
